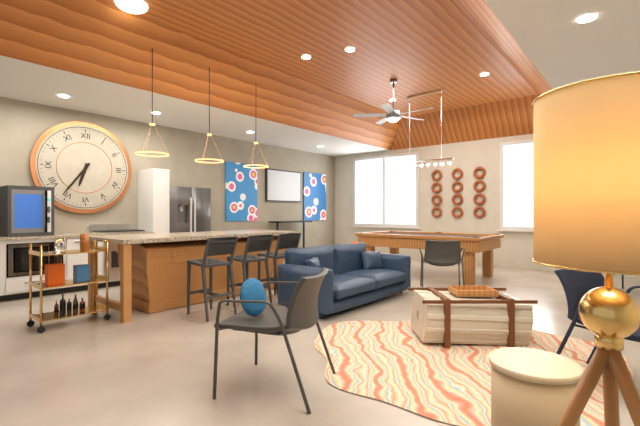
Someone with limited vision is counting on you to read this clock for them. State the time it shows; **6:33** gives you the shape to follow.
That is **6:36**
